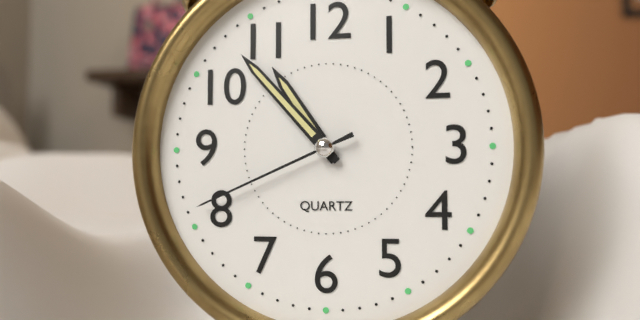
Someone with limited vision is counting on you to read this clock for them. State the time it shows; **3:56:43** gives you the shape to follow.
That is **10:53:41**
